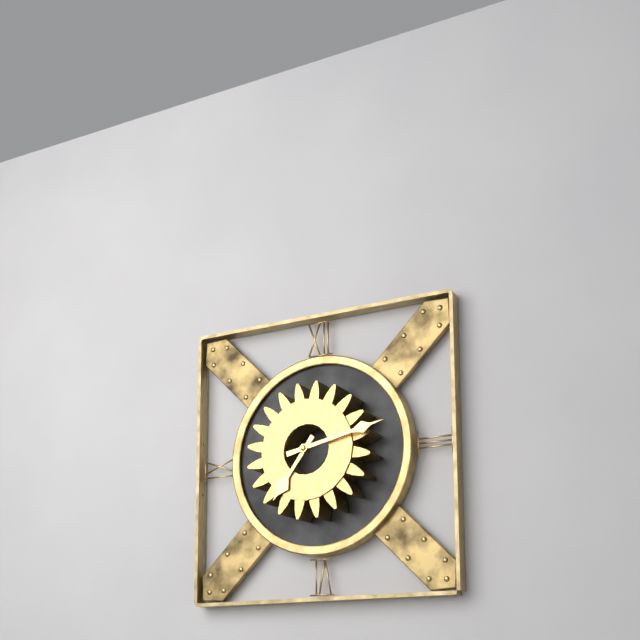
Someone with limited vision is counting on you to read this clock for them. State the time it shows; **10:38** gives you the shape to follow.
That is **7:13**
